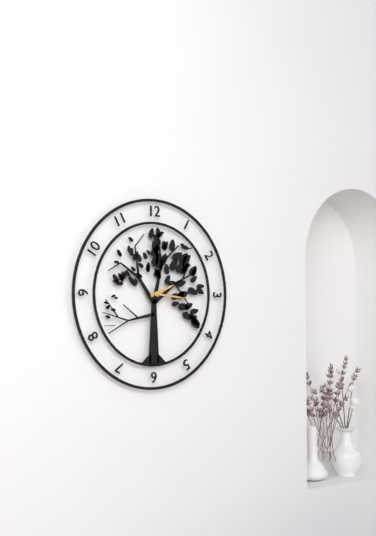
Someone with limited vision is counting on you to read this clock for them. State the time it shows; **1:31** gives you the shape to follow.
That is **2:16**
